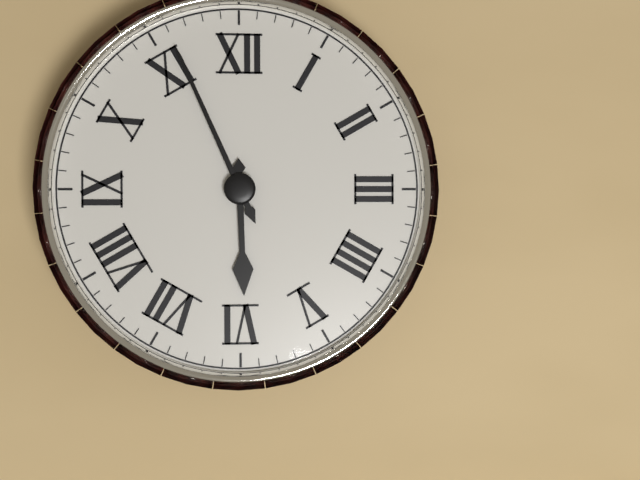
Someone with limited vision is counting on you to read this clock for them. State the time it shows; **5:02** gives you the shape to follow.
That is **5:56**
